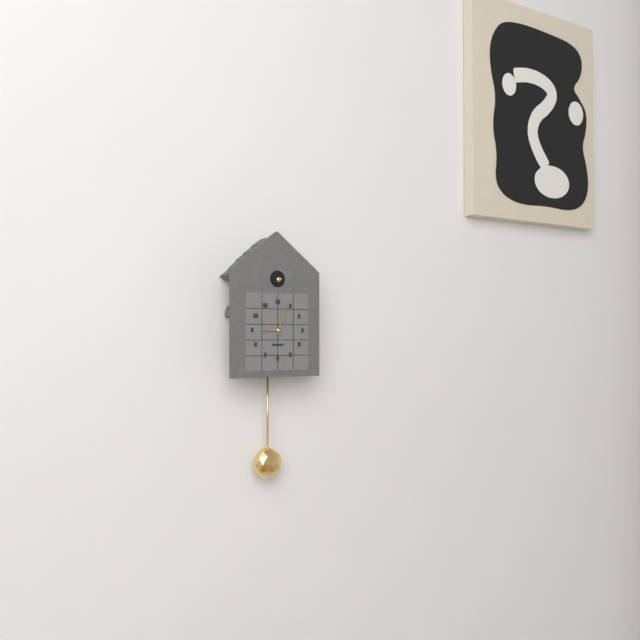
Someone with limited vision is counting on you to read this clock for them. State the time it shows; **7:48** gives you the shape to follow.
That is **9:03**
